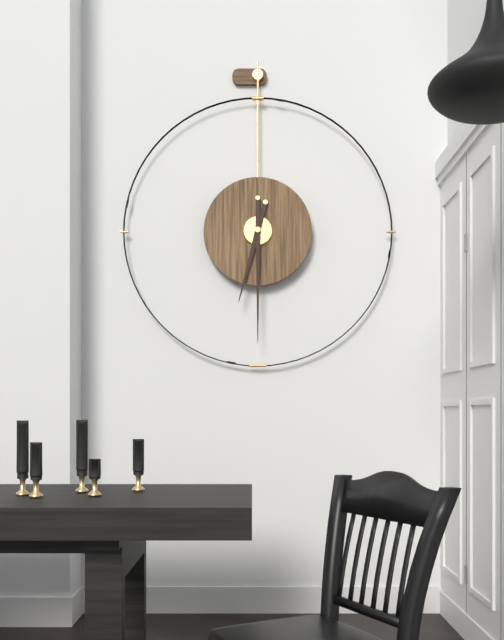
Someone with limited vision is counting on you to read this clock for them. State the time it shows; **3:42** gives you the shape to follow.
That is **6:30**
